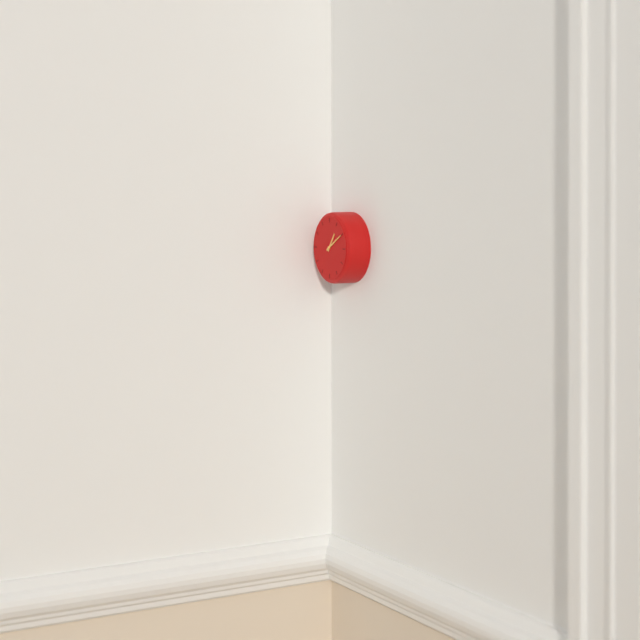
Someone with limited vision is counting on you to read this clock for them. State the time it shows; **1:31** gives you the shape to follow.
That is **1:10**
